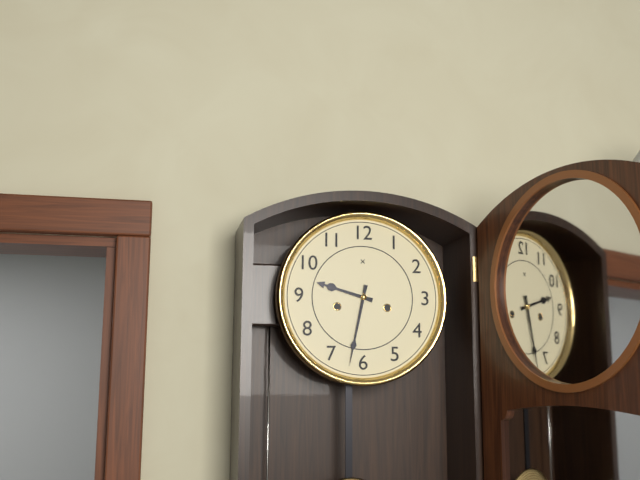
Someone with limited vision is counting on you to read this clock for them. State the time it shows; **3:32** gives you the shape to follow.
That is **9:32**
